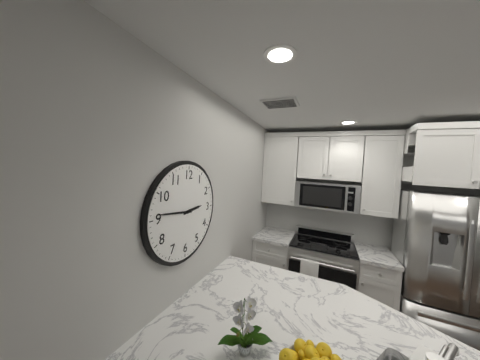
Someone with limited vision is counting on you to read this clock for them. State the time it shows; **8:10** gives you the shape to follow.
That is **2:46**
